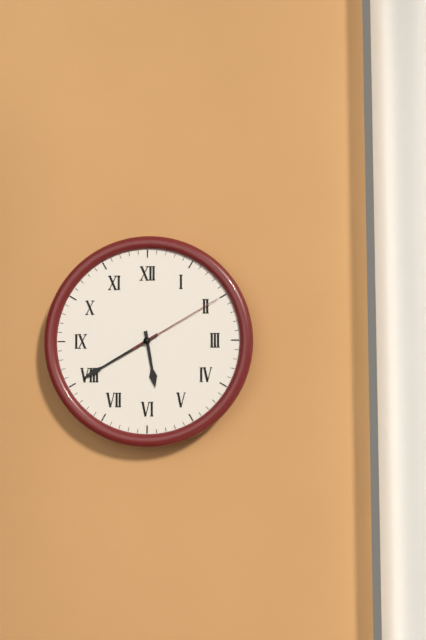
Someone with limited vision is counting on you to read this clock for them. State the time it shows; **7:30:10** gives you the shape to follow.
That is **5:40:10**
